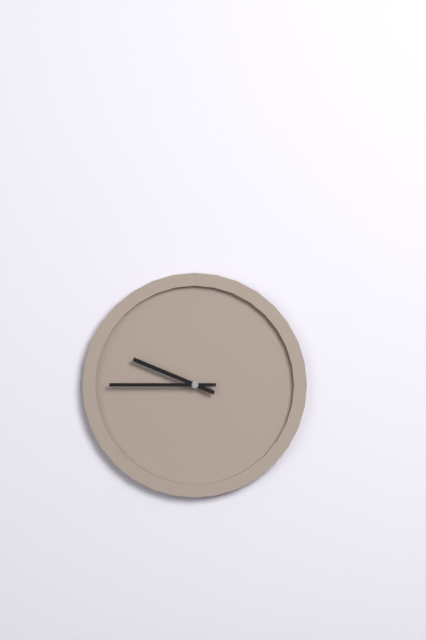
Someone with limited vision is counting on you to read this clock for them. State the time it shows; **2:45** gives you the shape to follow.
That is **9:45**
